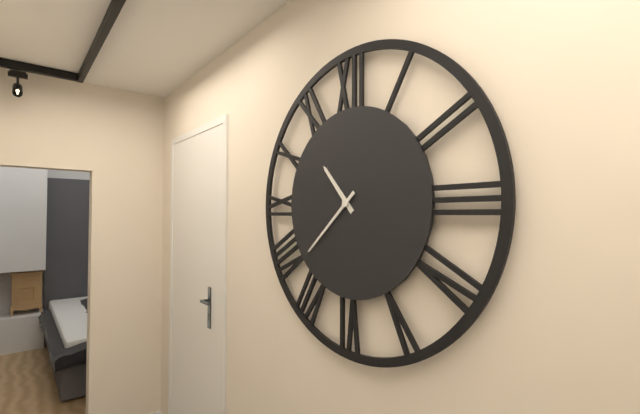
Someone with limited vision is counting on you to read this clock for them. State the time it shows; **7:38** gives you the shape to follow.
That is **10:38**
